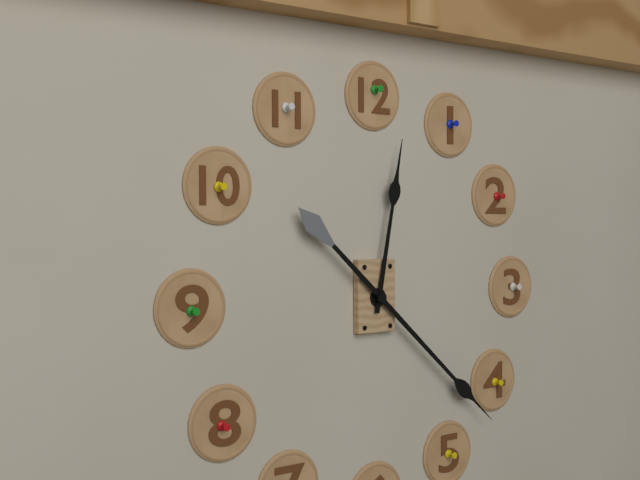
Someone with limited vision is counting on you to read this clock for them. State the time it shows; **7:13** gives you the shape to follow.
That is **12:22**
